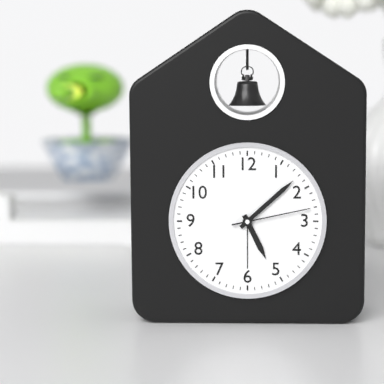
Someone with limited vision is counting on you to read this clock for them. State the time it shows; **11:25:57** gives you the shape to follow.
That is **5:08:13**
